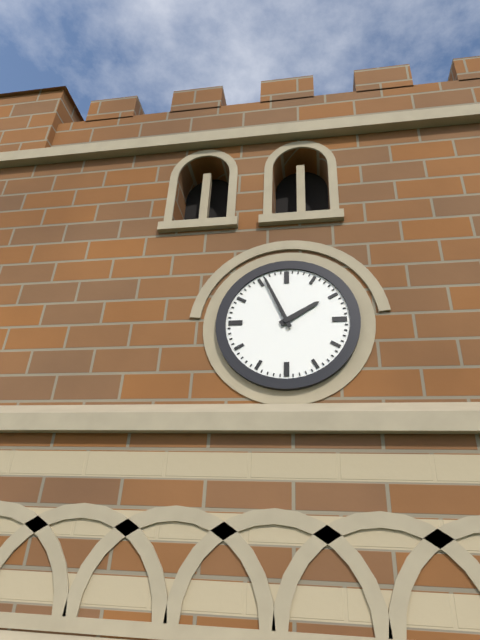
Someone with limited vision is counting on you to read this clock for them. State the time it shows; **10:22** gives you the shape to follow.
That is **1:56**
